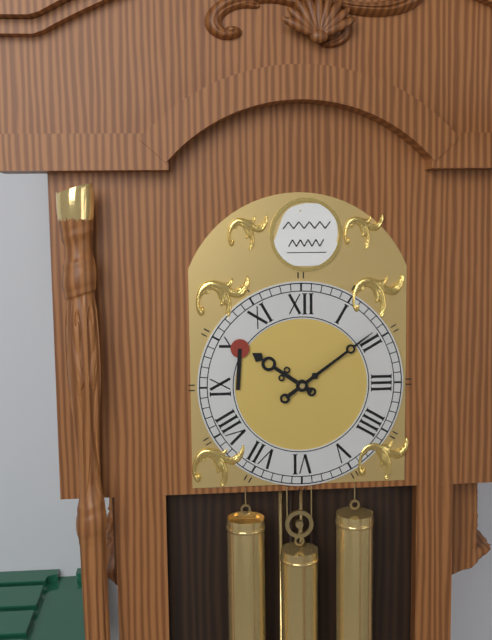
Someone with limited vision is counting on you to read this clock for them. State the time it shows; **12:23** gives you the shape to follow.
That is **10:09**
